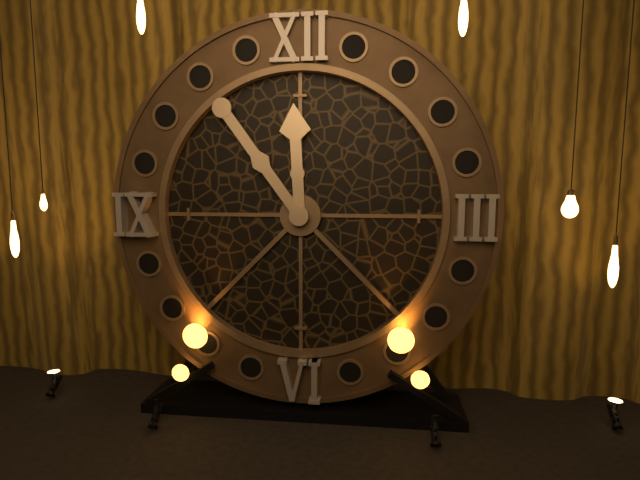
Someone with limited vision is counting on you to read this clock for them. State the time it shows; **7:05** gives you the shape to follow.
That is **11:54**
